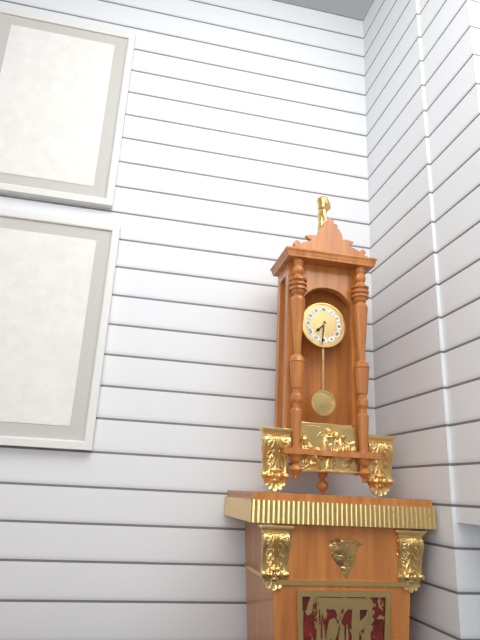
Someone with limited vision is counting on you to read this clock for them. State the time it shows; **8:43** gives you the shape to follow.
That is **7:31**
